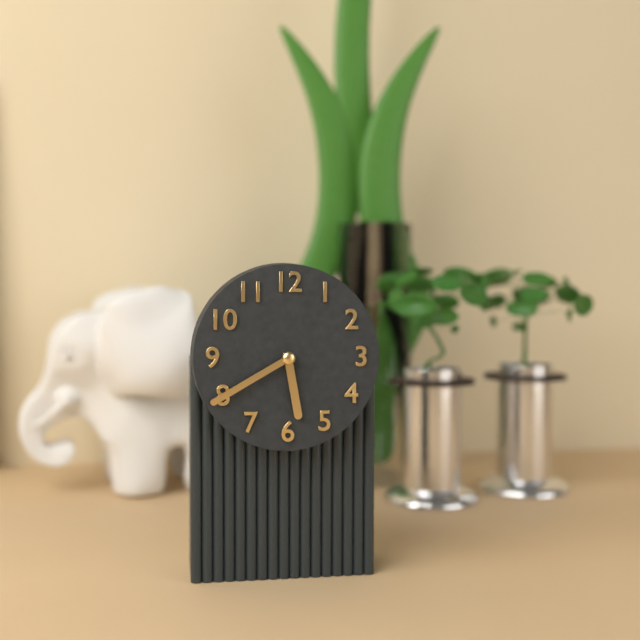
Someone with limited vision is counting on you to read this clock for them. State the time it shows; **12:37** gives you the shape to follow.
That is **5:40**
